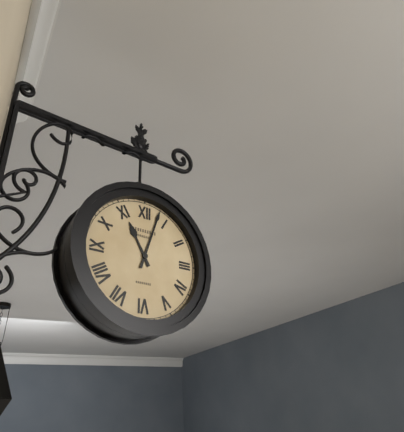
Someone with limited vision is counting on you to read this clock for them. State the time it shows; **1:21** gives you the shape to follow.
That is **11:03**
